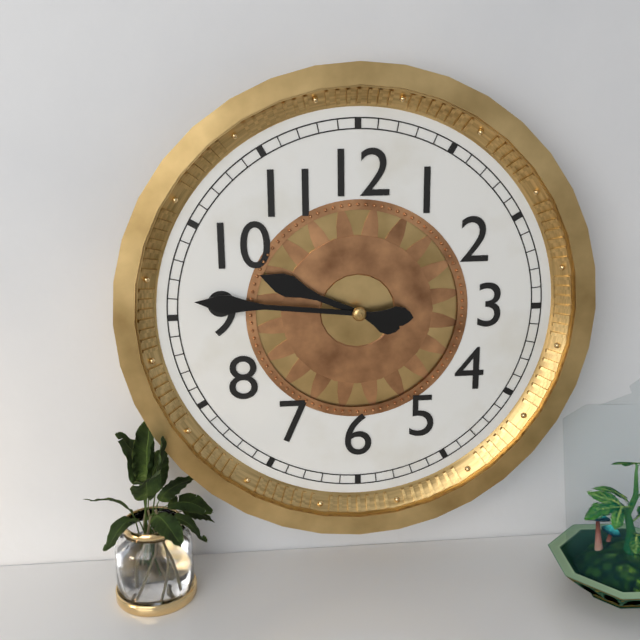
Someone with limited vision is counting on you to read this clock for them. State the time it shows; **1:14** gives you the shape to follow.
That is **9:46**
